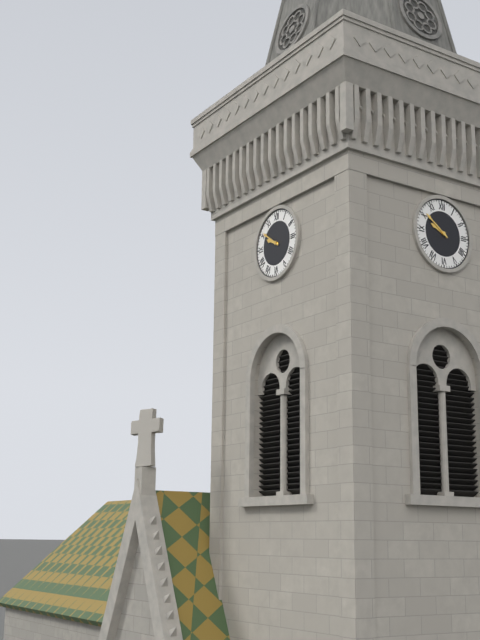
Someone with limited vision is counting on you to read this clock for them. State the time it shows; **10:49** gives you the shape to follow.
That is **9:51**
